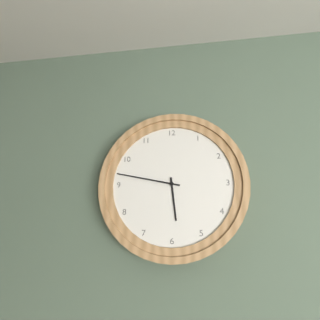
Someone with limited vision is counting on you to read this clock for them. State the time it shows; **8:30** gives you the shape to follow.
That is **5:47**
